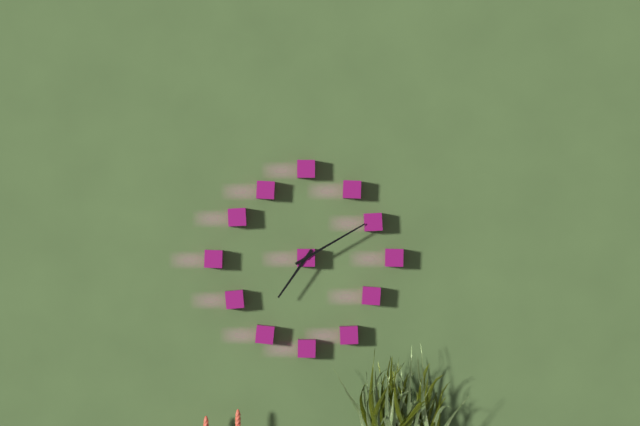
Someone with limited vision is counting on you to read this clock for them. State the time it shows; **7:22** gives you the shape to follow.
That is **7:10**
